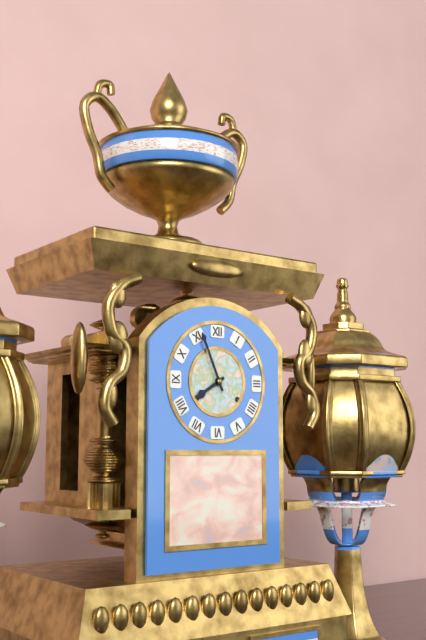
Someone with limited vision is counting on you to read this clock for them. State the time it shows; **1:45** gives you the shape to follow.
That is **7:56**
